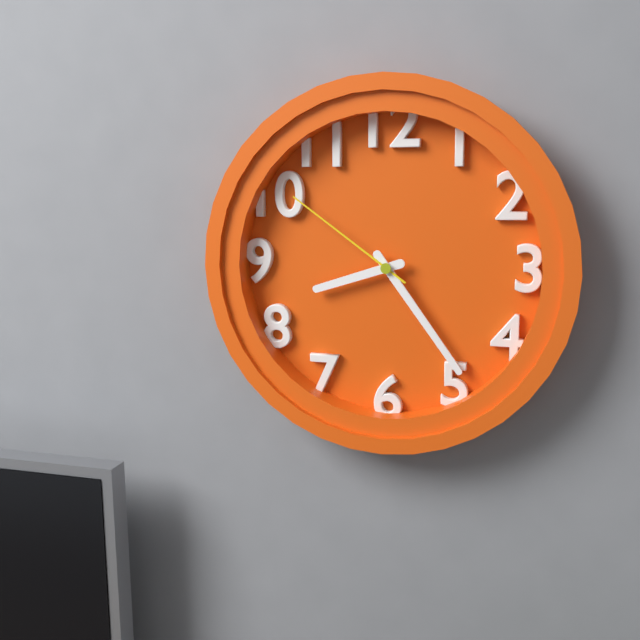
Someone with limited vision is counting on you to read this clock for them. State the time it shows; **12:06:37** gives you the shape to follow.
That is **8:24:51**
